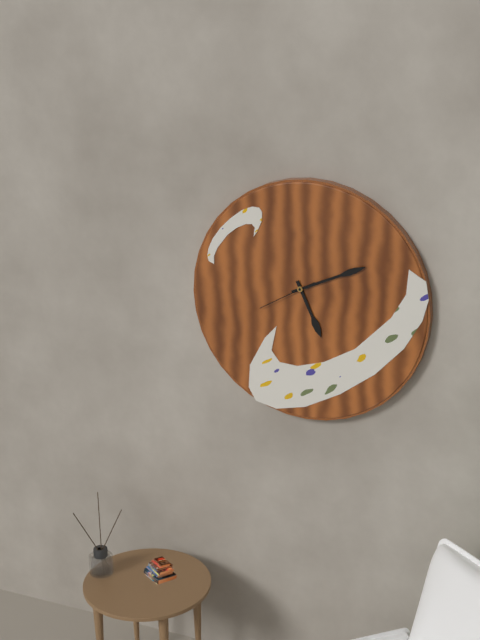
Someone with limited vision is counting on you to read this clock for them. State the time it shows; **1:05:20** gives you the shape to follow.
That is **5:11:40**
